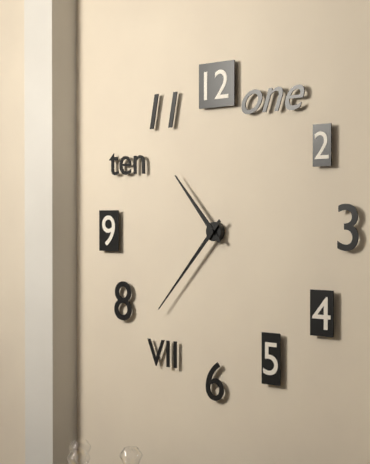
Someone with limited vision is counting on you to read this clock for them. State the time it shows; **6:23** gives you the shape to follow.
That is **10:37**
